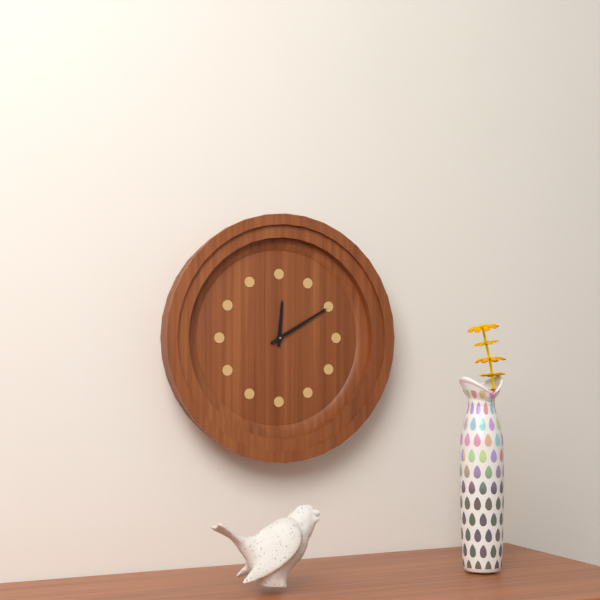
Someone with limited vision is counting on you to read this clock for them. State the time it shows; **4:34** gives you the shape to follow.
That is **12:10**
